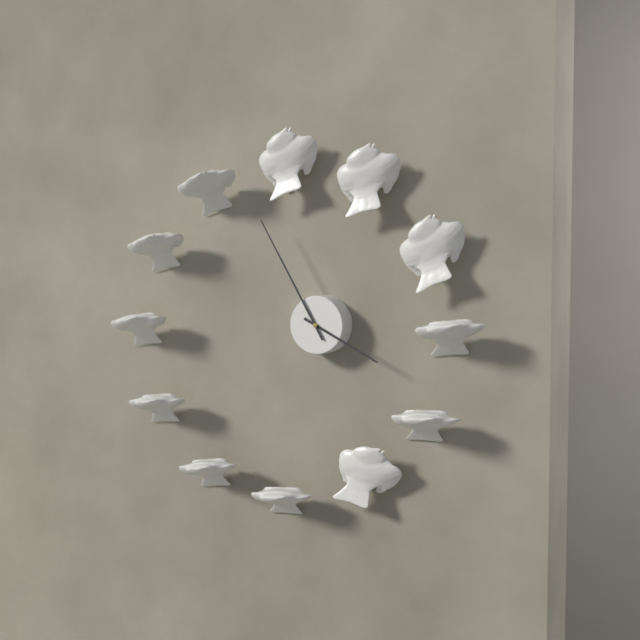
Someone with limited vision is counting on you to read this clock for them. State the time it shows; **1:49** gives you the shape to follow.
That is **3:55**
